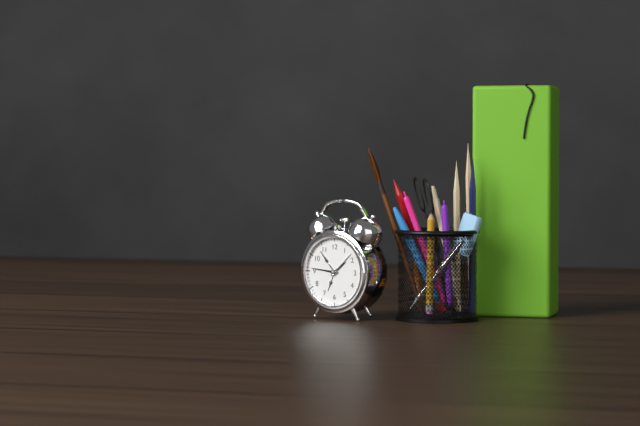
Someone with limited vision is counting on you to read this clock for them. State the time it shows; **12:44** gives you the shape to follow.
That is **1:46**
